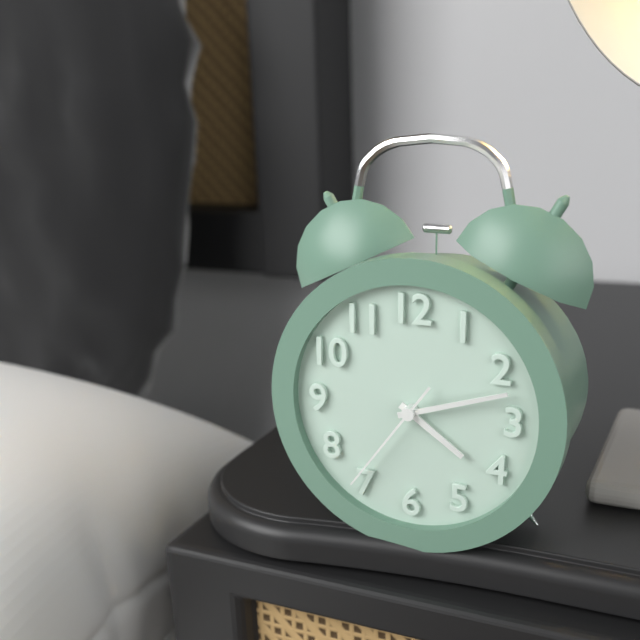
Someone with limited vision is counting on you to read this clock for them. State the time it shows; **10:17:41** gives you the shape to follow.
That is **4:12:36**
